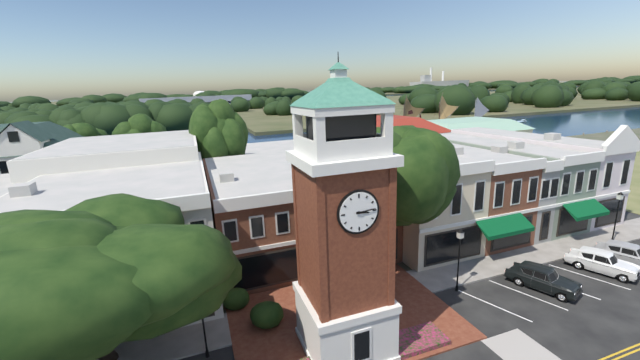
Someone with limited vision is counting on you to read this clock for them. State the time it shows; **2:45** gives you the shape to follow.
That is **3:14**
